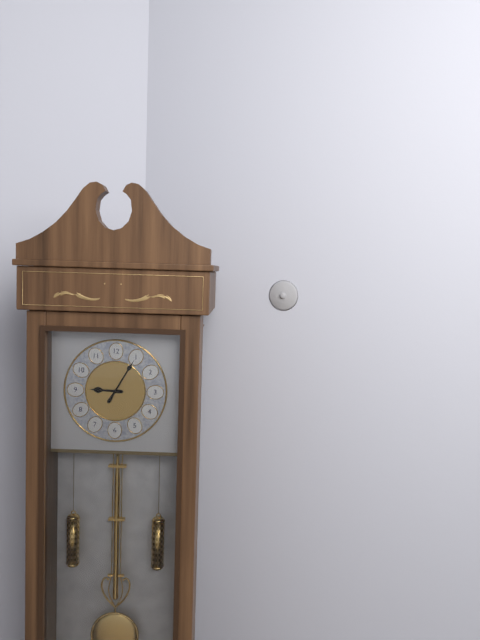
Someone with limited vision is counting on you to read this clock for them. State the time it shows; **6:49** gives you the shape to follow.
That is **9:05**
